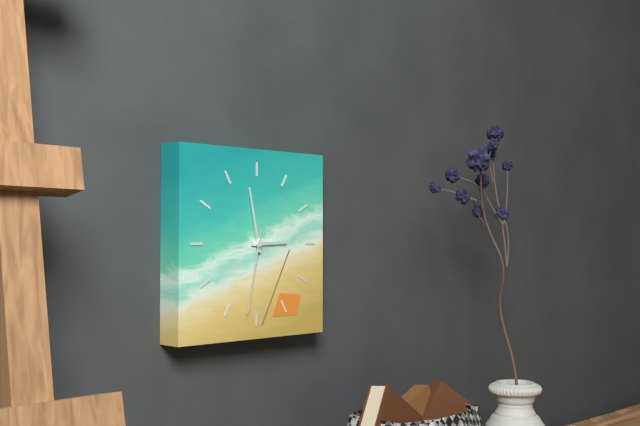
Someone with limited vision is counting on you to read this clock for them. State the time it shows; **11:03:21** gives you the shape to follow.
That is **2:58:32**
